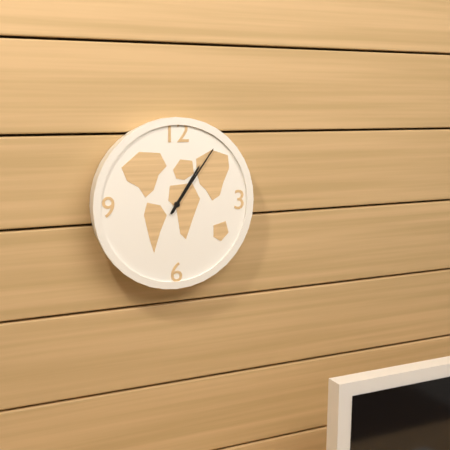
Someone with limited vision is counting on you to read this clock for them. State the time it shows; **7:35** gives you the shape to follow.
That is **1:06**
